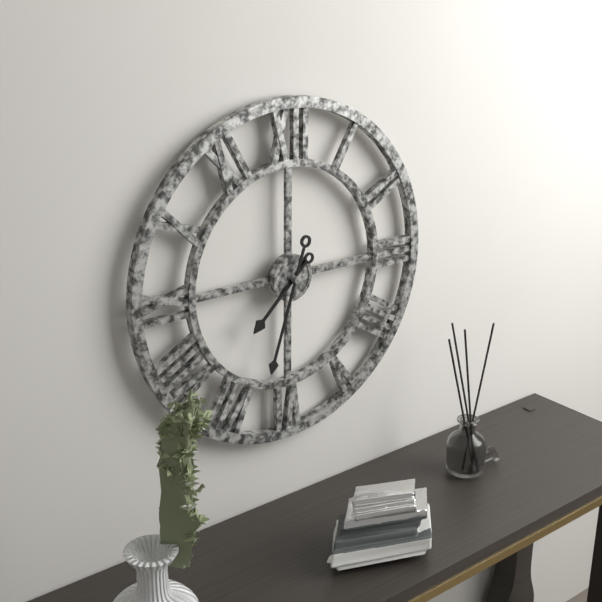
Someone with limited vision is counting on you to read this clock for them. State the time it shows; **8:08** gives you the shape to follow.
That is **7:33**
